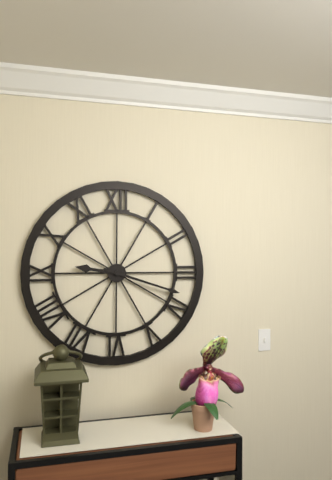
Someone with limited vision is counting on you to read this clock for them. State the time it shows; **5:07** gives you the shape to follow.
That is **9:18**
